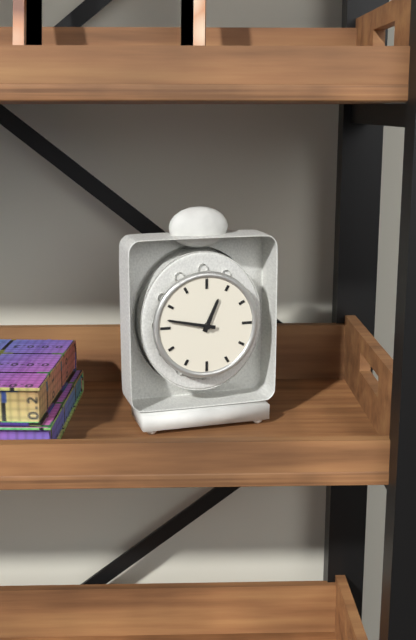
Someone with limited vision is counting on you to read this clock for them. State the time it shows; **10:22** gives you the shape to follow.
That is **12:47**
